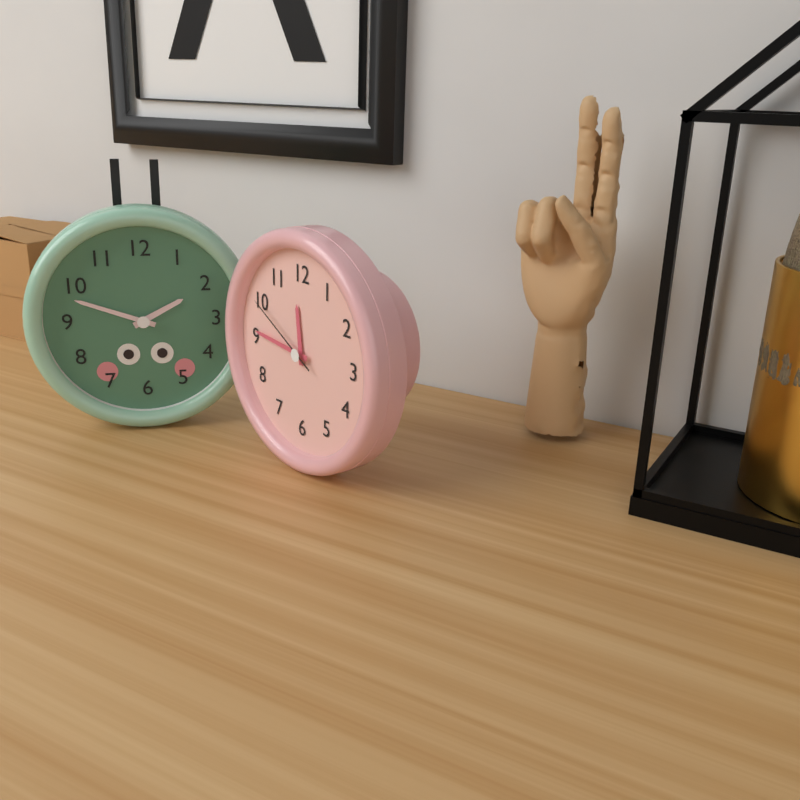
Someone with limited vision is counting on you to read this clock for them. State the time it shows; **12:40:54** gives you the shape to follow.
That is **11:46:50**
